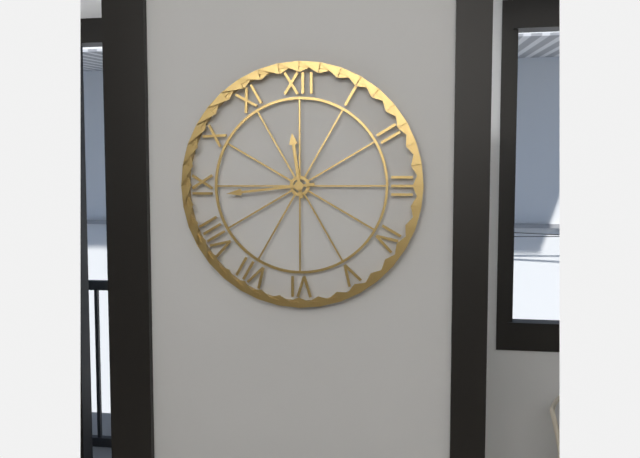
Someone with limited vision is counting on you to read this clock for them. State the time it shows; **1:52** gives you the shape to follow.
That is **11:44**
